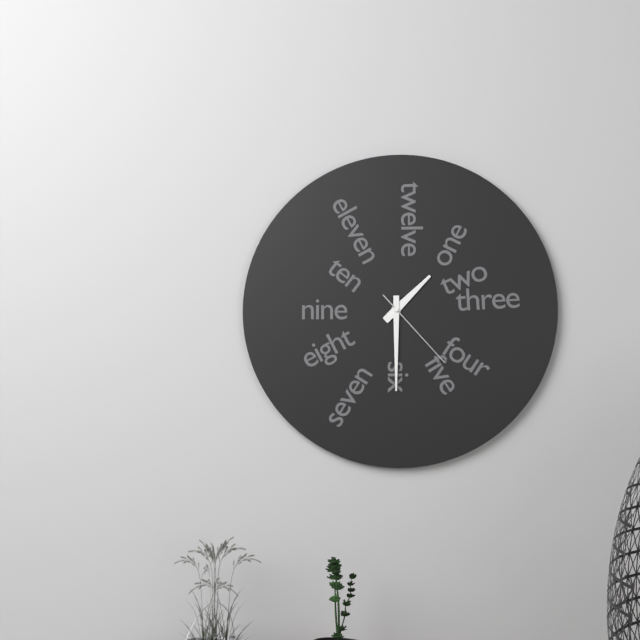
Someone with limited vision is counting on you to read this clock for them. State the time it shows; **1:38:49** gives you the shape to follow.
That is **1:30:23**
